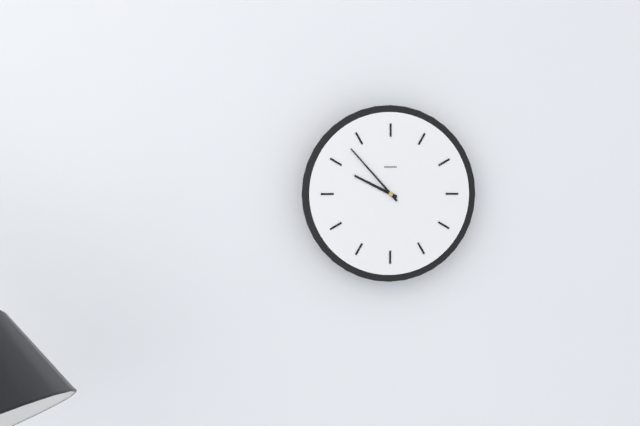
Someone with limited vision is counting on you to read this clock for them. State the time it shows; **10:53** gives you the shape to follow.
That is **9:53**
